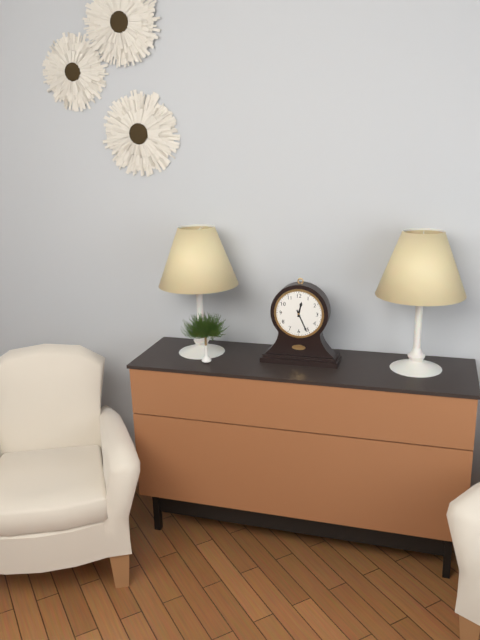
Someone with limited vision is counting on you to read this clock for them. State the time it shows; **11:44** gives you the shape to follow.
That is **12:26**
